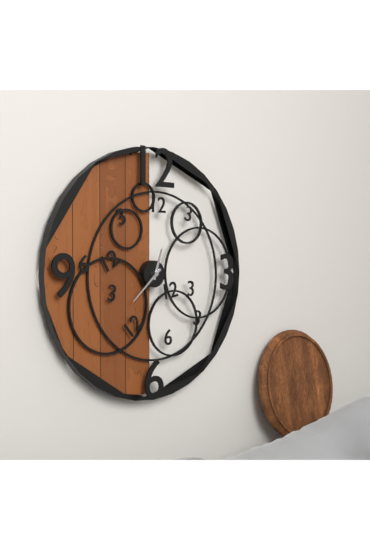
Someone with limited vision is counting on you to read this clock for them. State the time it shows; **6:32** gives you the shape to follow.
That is **12:38**
